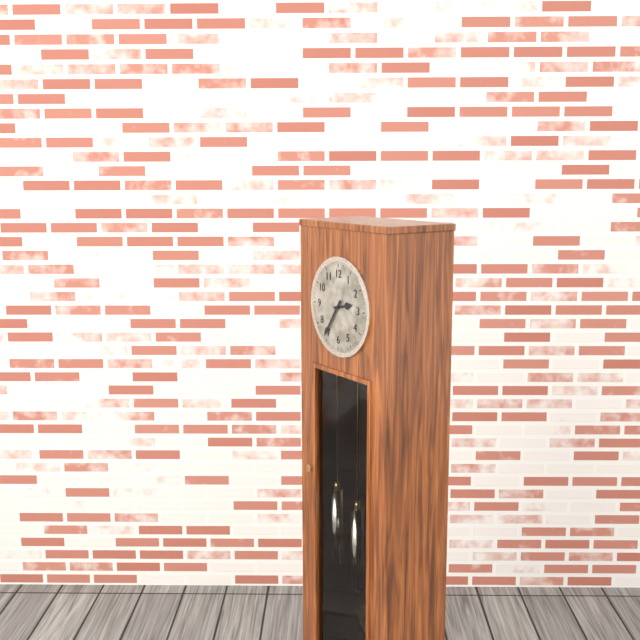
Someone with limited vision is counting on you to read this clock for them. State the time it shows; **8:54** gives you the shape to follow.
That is **2:36**
